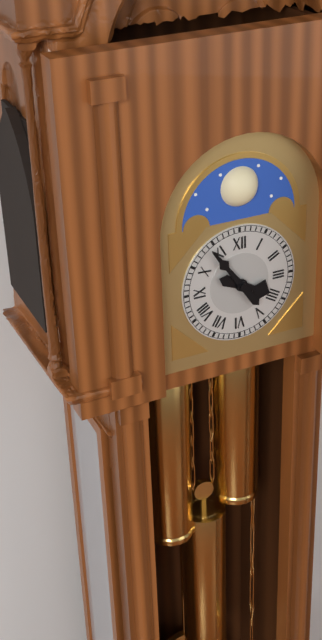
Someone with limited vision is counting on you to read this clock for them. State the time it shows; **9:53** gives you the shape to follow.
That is **3:54**
